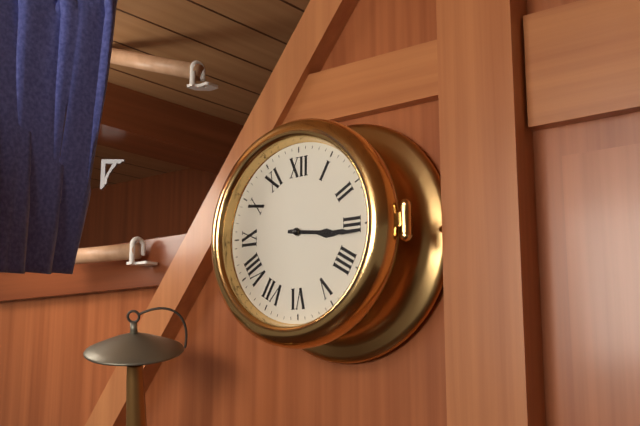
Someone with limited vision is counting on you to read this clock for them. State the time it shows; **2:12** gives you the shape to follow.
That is **3:16**
